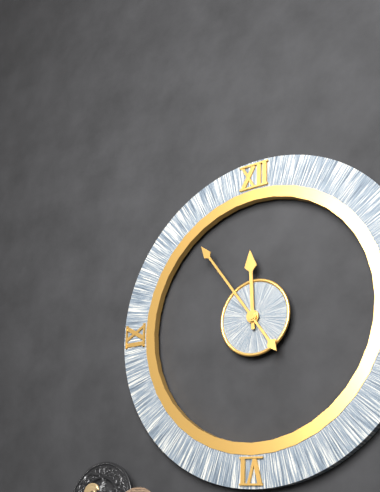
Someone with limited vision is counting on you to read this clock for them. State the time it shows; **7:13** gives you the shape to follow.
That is **11:54**
